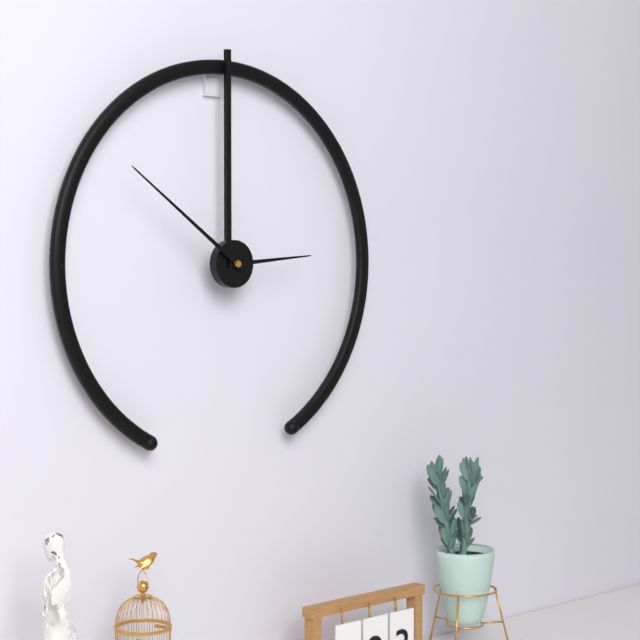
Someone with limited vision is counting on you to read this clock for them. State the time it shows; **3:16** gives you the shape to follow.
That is **2:51**
